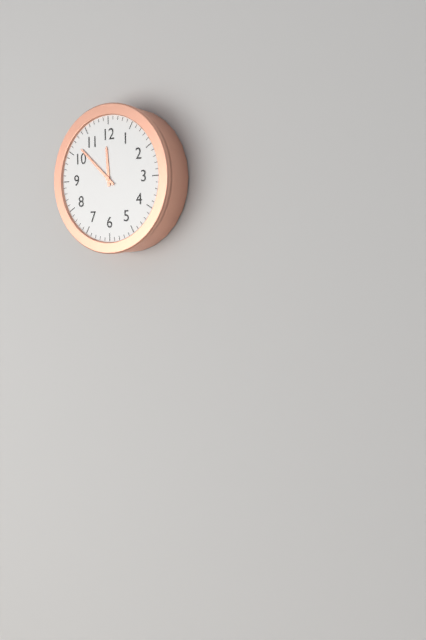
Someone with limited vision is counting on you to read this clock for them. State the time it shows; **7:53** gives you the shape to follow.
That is **11:52**
